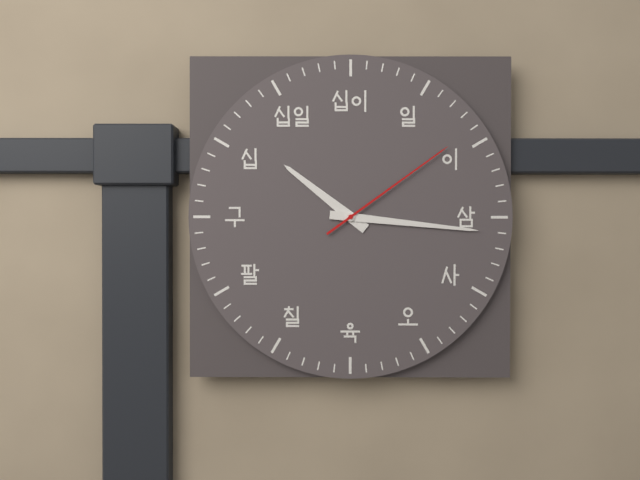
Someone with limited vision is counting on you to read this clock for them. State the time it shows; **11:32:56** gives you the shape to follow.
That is **10:16:09**
